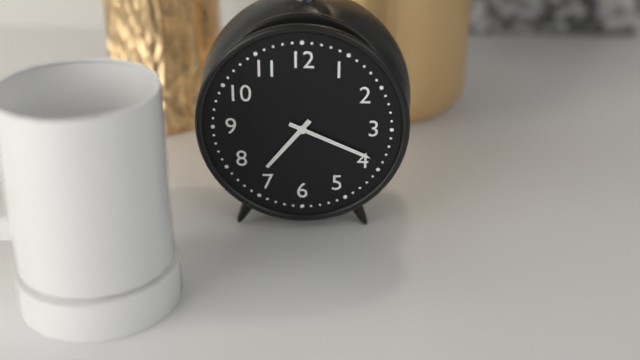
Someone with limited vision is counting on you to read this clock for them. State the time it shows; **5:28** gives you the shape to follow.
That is **7:19**
